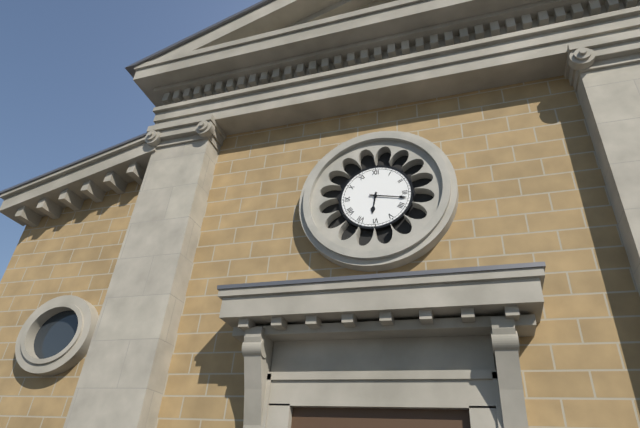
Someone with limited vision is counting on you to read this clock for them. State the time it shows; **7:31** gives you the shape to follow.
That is **6:17**
